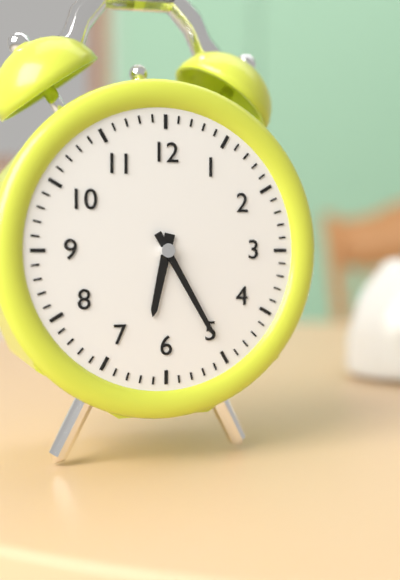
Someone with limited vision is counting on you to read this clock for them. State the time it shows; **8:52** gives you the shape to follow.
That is **6:25**
